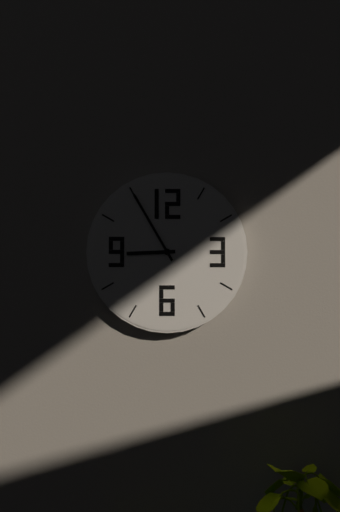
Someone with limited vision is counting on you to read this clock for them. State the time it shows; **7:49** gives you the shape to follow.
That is **8:55**
